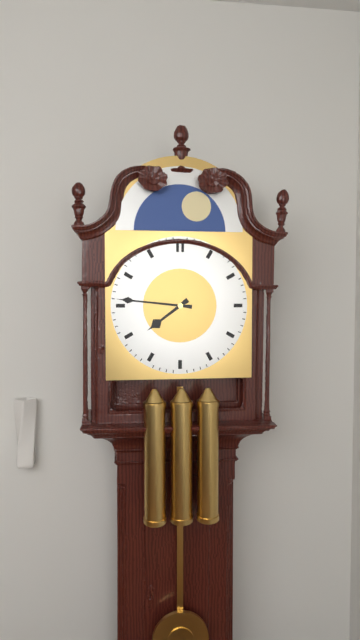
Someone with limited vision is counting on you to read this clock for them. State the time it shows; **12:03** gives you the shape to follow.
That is **7:46**
